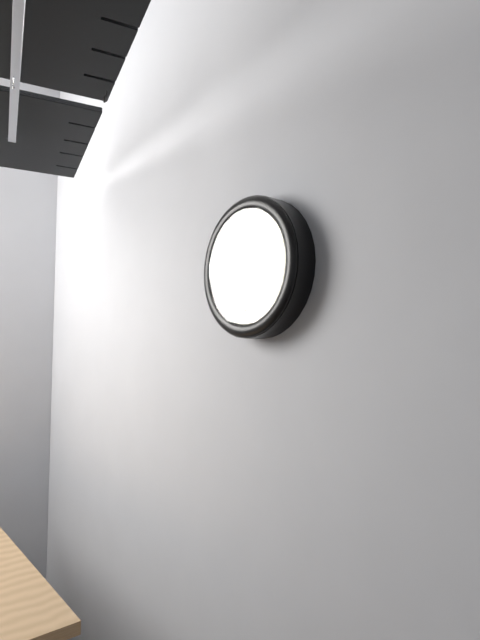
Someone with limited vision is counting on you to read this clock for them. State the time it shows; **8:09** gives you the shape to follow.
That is **11:14**
